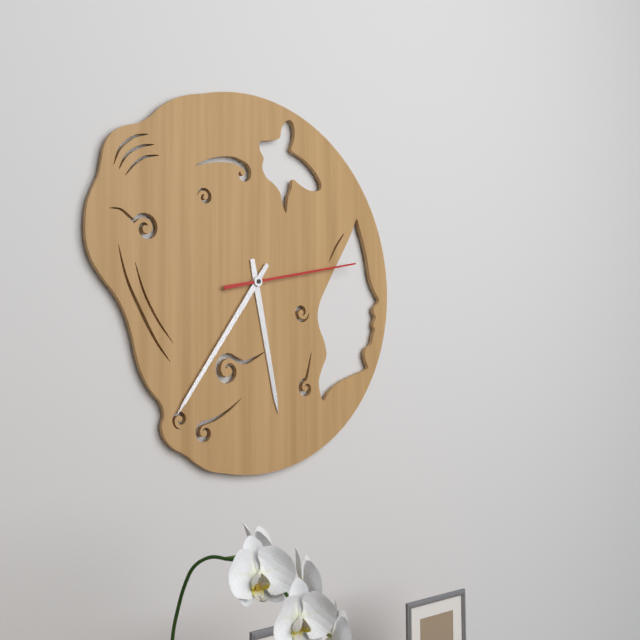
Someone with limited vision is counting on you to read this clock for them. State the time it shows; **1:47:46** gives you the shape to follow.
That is **5:36:13**
